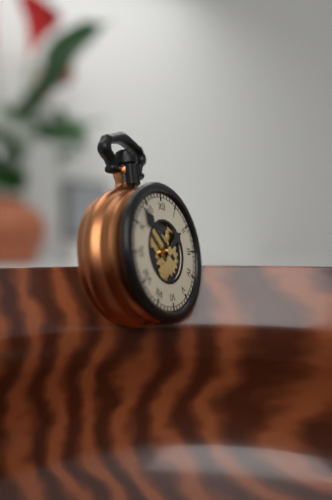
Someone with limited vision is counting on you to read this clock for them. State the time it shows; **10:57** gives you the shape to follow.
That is **1:53**
